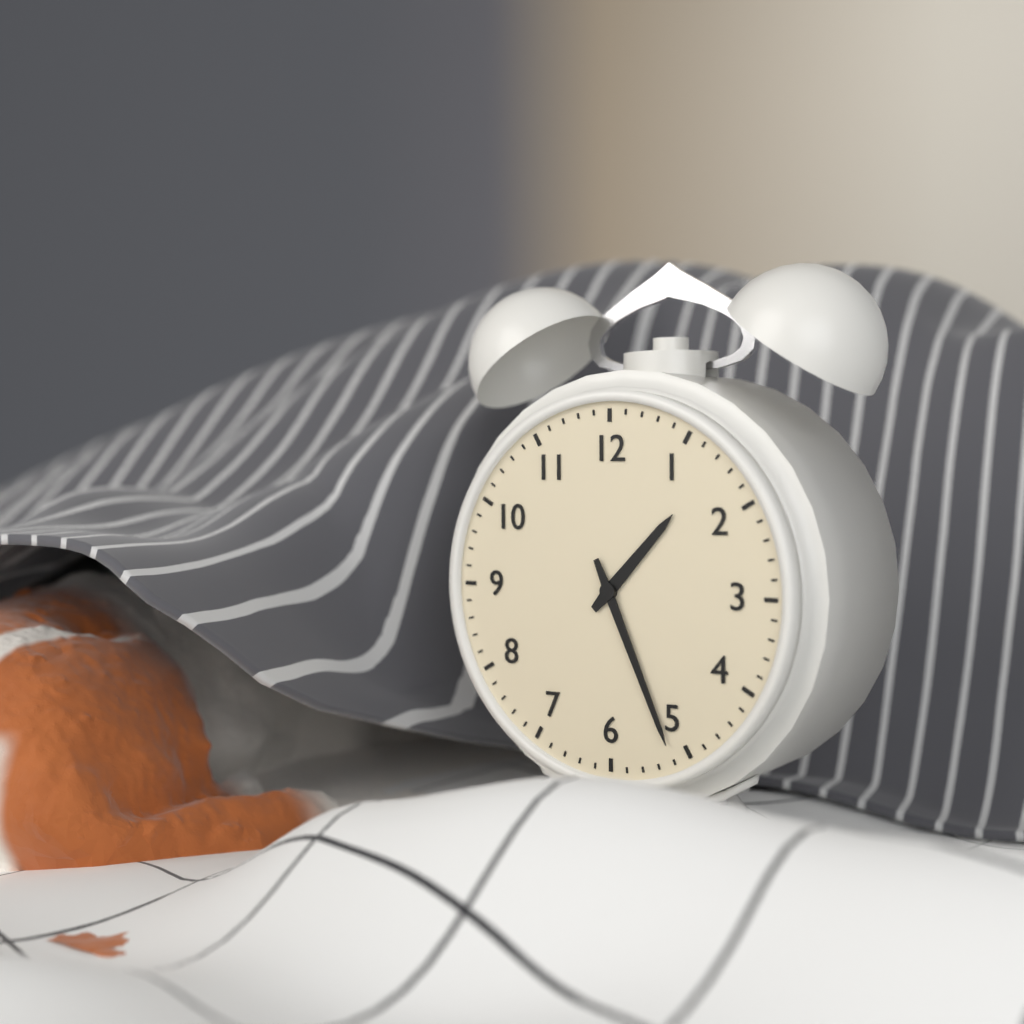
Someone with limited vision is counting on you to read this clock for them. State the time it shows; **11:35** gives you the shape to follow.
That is **1:26**
